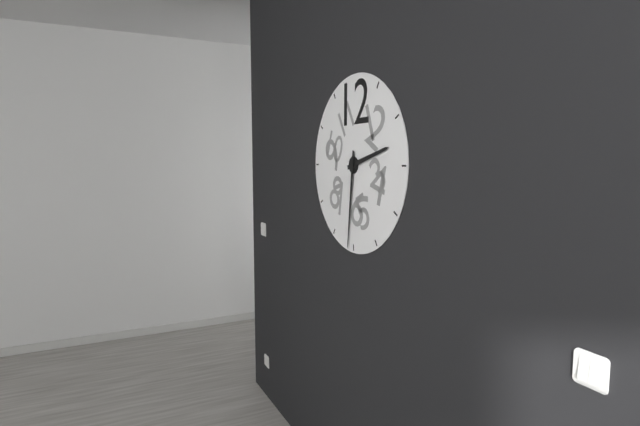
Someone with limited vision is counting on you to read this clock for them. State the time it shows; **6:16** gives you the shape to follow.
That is **2:31**
